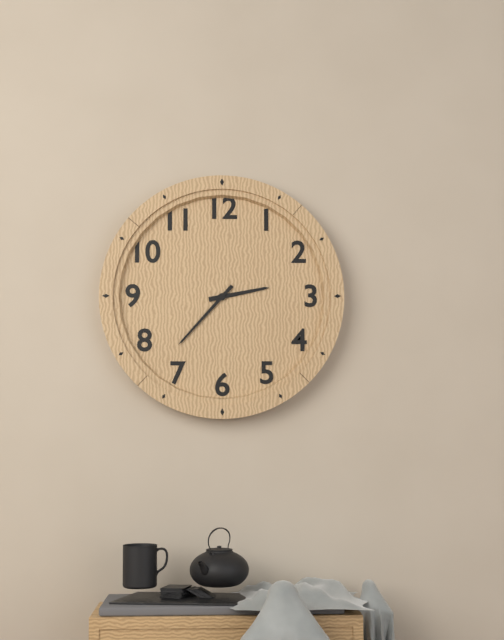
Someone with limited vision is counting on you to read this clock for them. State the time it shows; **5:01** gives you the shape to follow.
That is **2:37**
